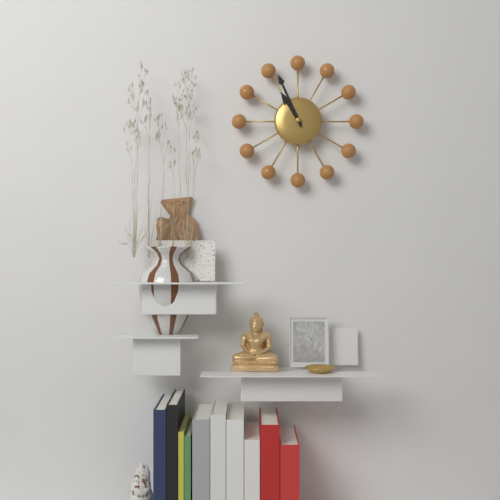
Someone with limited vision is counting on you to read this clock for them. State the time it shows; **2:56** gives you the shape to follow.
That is **10:56**
